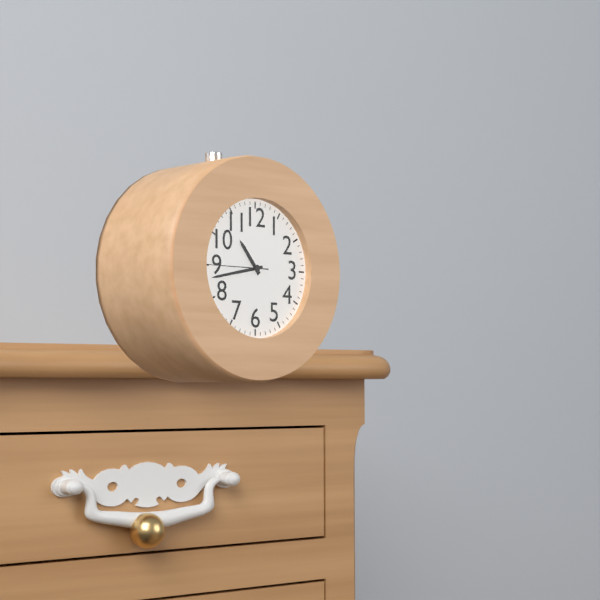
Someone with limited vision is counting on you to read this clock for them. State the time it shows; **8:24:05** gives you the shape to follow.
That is **10:43:45**
